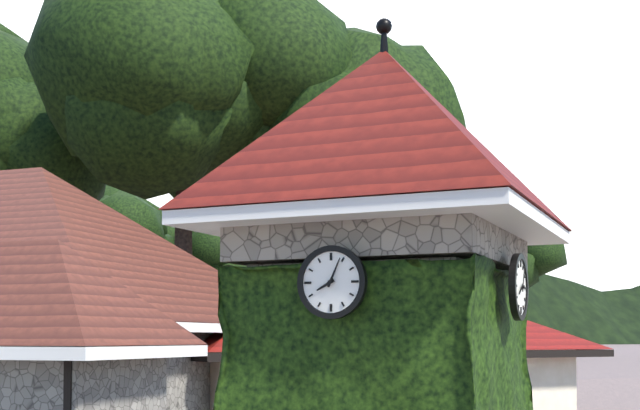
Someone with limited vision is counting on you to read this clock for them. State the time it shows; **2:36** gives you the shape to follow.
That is **8:04**
